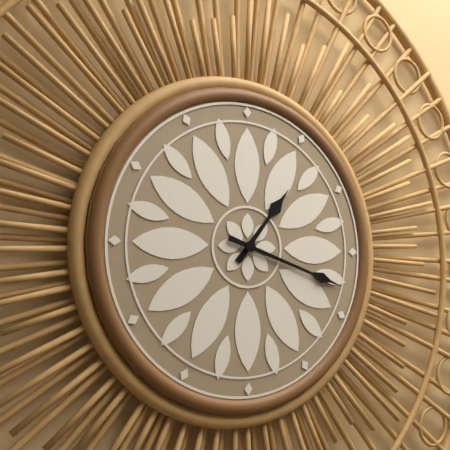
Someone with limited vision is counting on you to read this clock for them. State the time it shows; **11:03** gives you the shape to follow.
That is **1:18**
